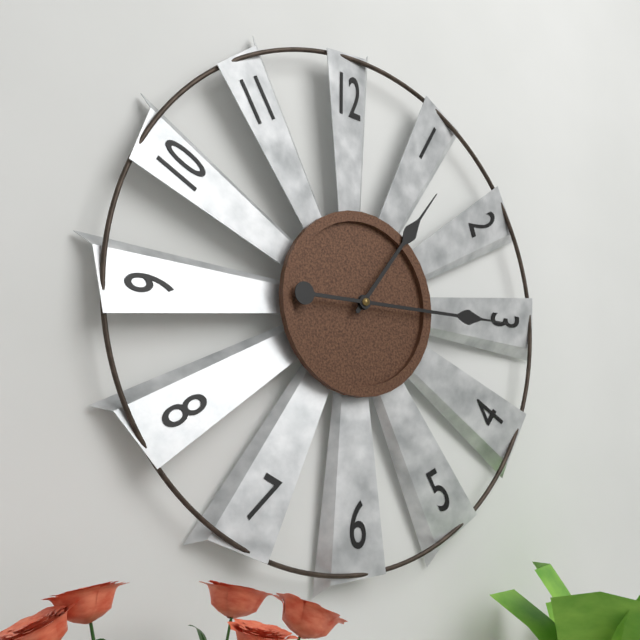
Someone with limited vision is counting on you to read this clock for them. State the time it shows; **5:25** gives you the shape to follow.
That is **1:15**
